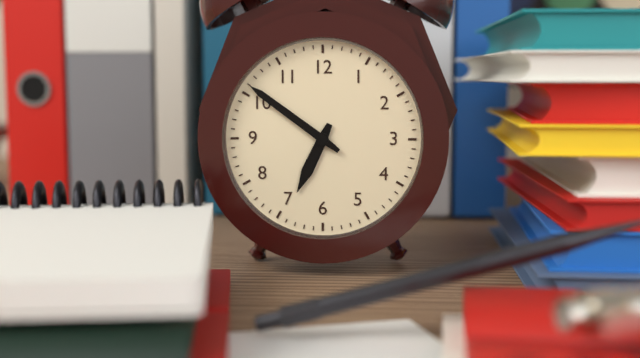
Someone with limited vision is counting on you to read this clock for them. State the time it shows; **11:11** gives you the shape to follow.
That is **6:51**
